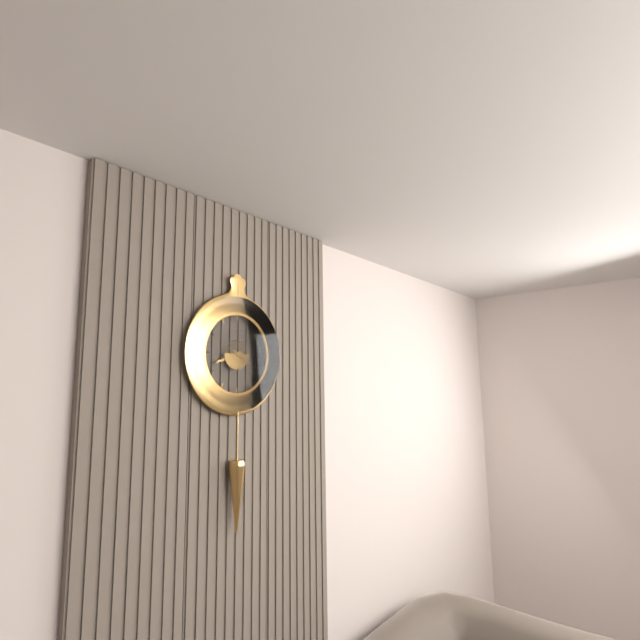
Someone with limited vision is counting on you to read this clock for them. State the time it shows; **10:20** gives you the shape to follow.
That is **8:20**
